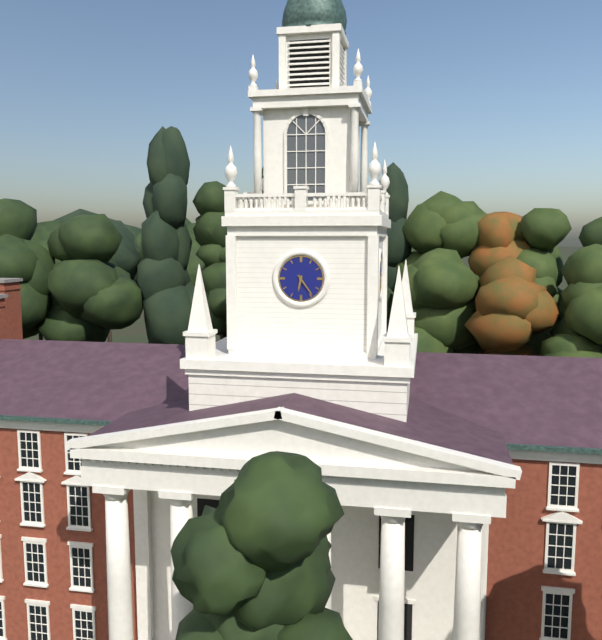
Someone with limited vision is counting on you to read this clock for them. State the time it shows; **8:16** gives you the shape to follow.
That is **6:24**
